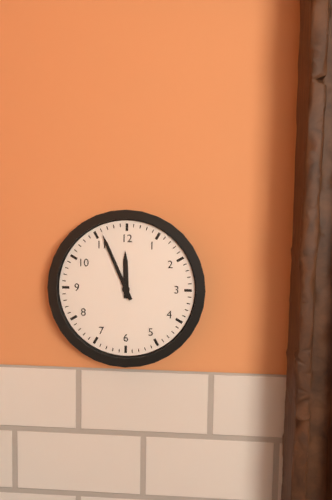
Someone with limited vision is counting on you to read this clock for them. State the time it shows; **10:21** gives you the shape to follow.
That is **11:56**
